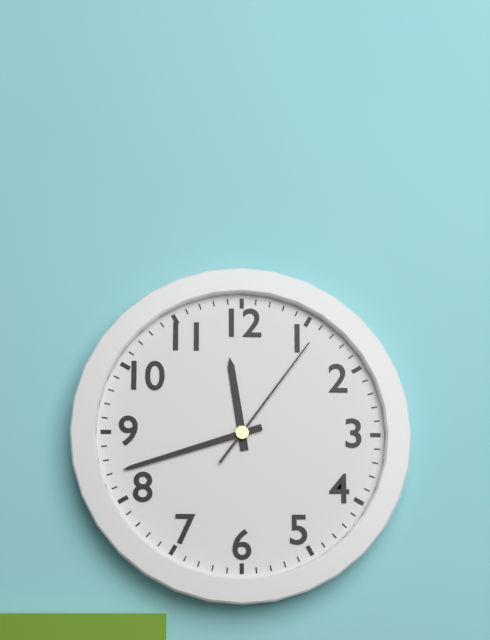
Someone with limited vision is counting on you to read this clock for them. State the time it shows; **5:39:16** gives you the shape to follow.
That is **11:42:06**
